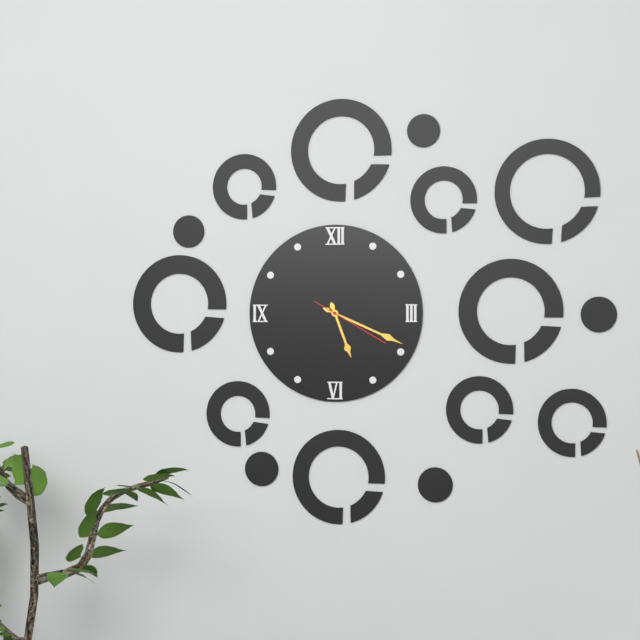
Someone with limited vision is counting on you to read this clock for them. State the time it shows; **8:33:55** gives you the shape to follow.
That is **5:19:20**
